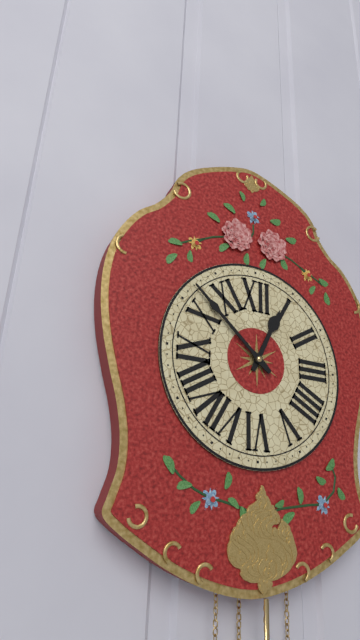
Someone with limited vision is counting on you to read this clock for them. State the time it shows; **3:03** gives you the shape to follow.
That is **12:52**
